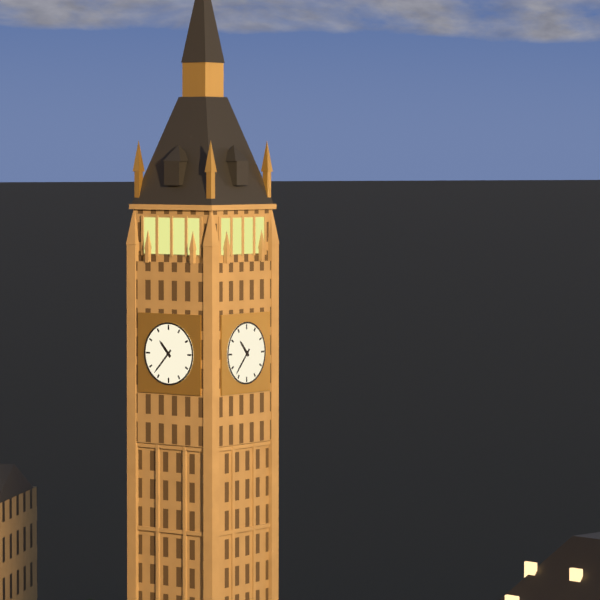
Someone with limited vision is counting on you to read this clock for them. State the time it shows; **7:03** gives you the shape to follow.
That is **10:37**
